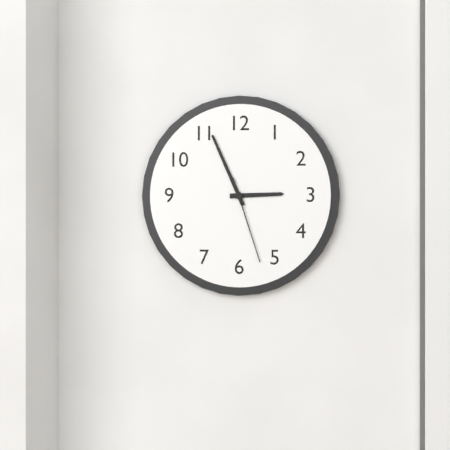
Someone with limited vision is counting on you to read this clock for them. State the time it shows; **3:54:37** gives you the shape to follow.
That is **2:56:27**
